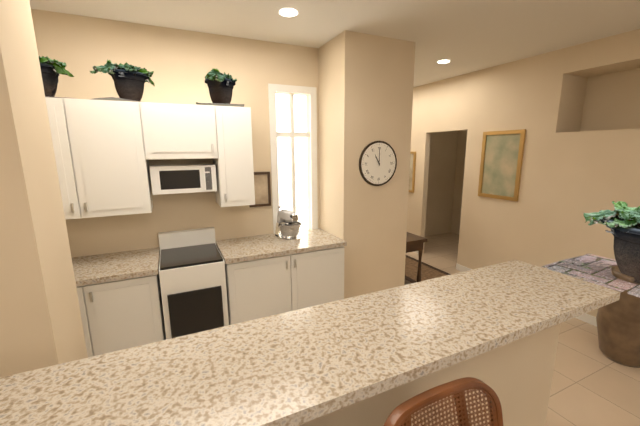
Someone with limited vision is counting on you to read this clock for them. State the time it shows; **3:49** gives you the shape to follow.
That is **11:00**
